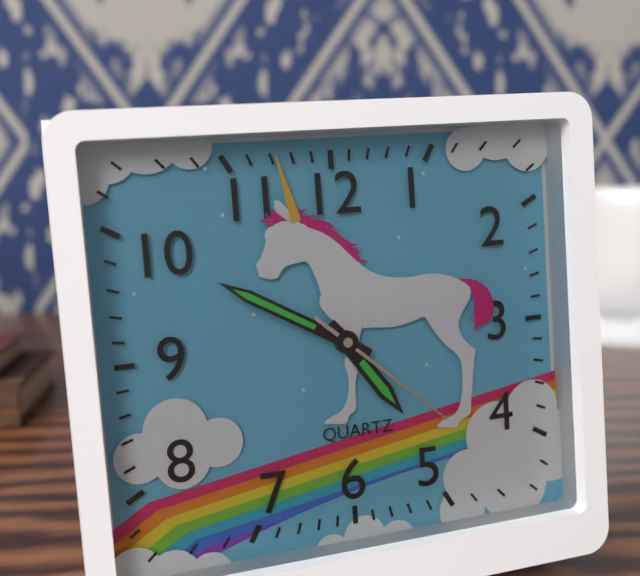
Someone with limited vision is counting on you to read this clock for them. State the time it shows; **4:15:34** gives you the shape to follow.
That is **4:50:22**
